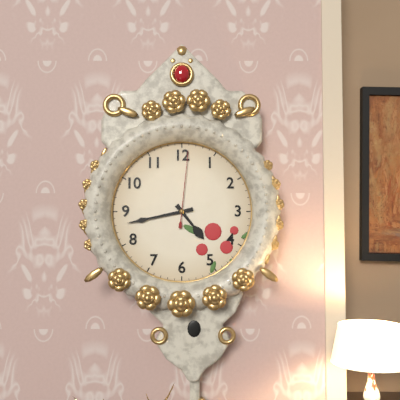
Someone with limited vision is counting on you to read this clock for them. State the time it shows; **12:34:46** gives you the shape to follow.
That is **4:43:01**
